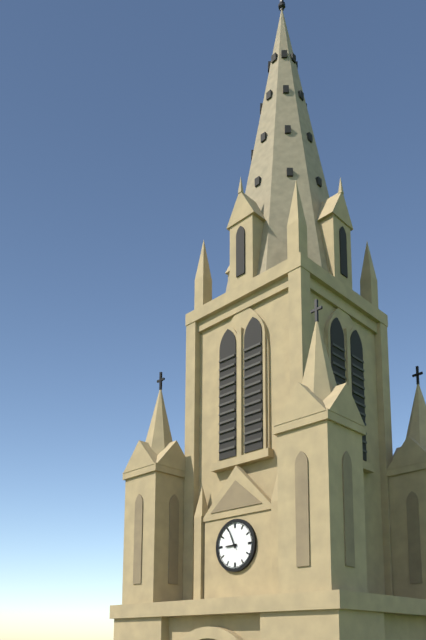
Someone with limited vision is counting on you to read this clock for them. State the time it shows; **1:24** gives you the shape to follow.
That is **8:56**
